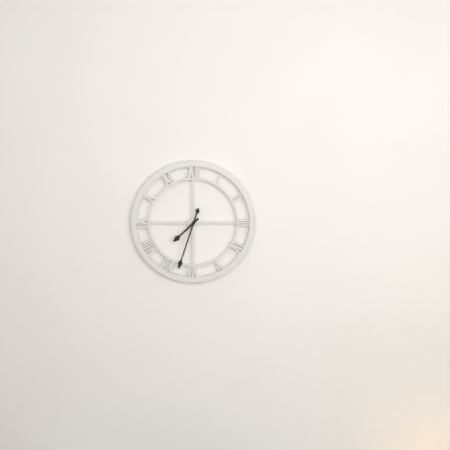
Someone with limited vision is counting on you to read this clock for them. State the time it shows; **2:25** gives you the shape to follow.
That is **7:33**
